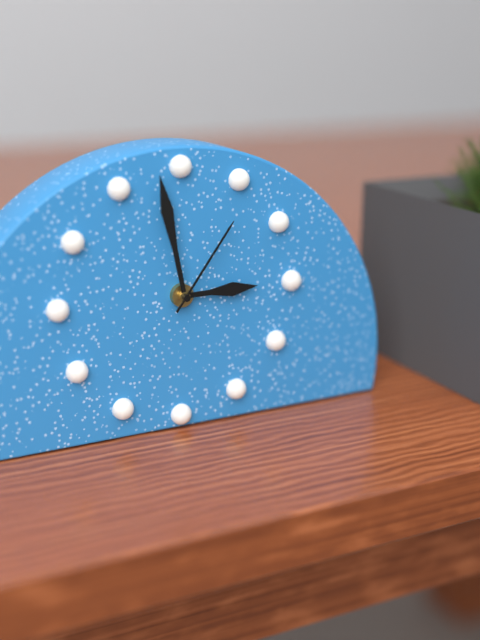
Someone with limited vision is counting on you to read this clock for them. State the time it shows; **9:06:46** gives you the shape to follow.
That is **2:58:06**
